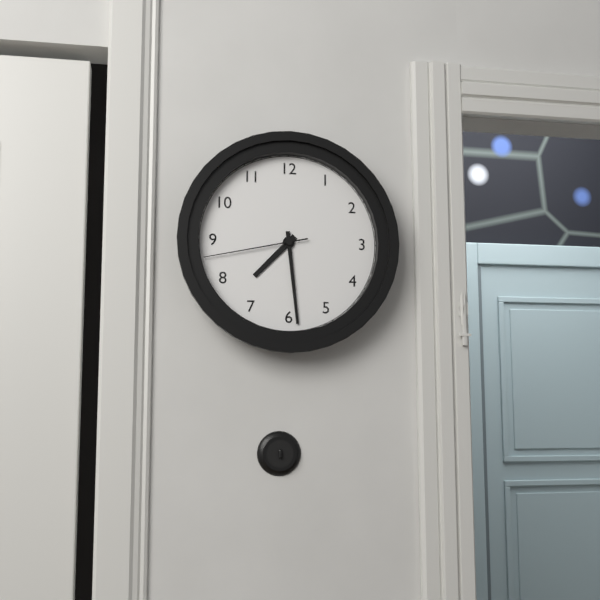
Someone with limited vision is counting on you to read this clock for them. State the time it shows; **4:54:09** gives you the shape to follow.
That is **7:29:43**
